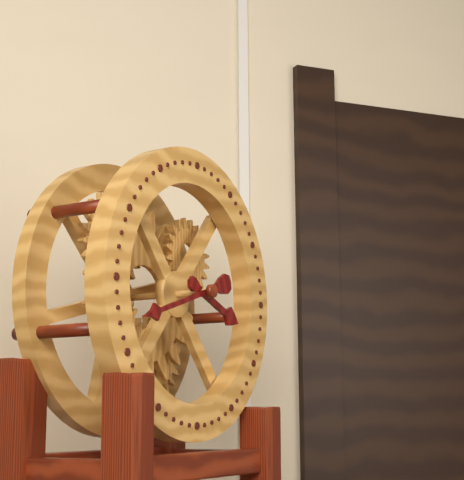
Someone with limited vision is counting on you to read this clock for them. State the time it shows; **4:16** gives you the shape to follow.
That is **3:42**
